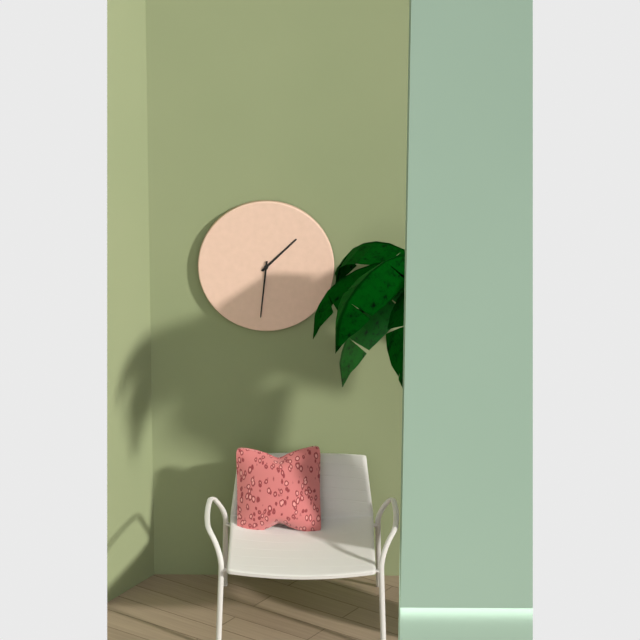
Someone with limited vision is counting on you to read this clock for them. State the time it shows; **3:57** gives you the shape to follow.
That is **1:31**
